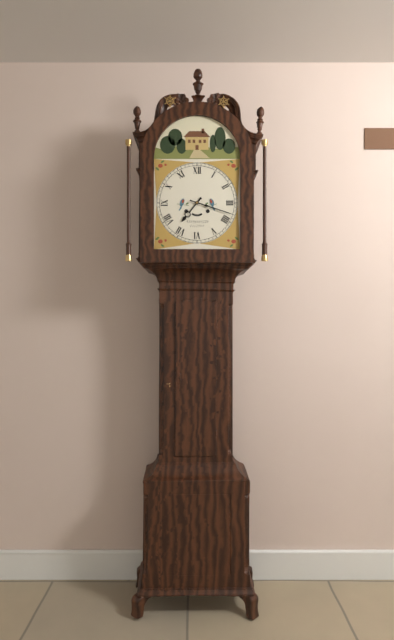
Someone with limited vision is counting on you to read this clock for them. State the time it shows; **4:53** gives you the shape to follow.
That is **7:18**
